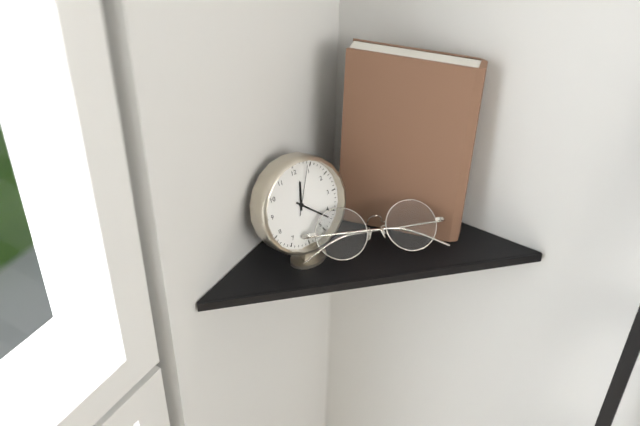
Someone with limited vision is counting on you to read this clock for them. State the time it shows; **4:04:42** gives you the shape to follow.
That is **12:22:04**
